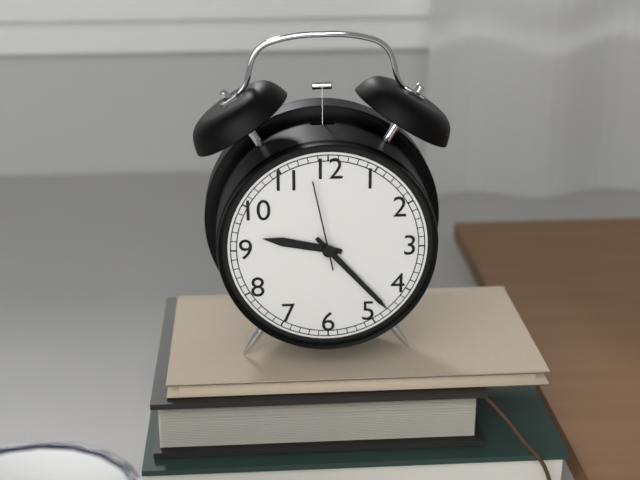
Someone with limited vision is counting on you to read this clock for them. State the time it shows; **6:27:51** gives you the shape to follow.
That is **9:23:58**
